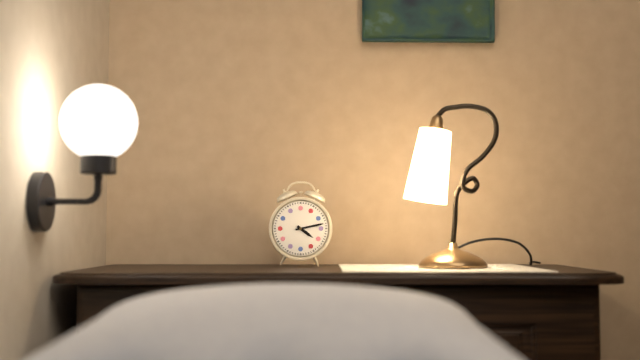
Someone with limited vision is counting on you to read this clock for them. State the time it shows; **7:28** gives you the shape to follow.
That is **4:13**
